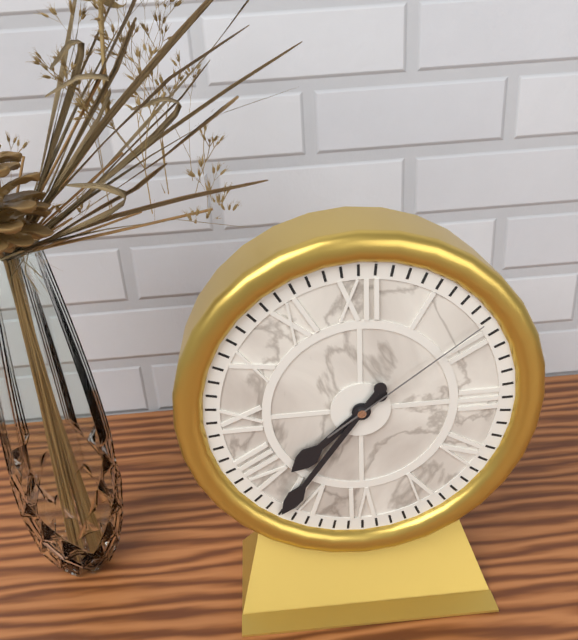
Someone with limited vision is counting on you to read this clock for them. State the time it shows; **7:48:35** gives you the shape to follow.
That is **7:36:09**
